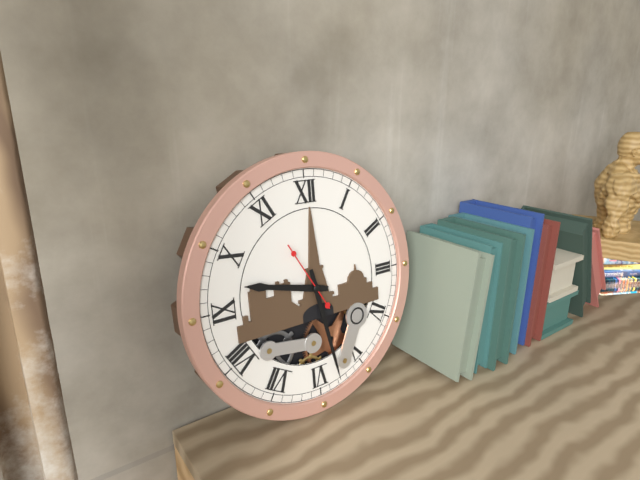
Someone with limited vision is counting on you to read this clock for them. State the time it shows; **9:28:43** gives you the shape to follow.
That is **9:28:55**
